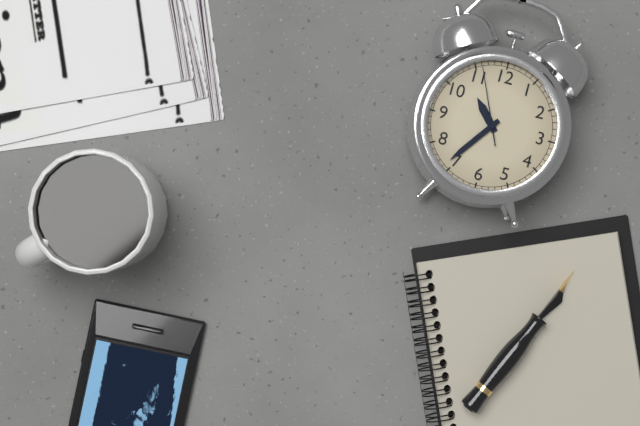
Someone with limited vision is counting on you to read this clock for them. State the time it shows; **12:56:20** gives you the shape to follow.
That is **10:36:56**
